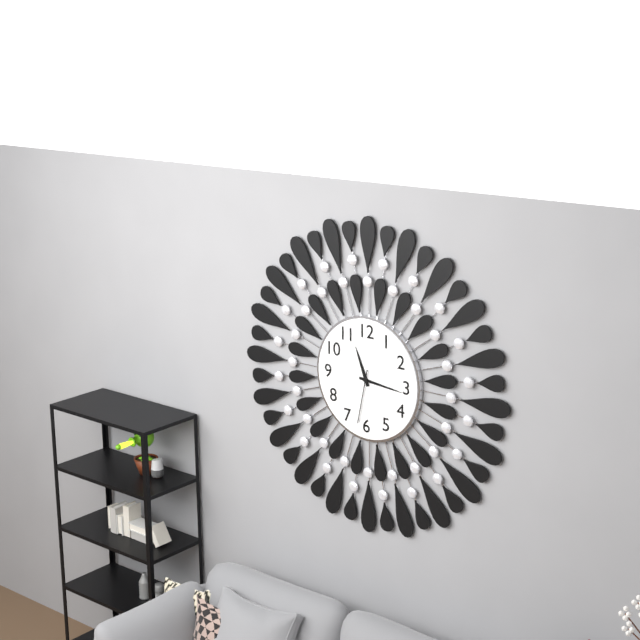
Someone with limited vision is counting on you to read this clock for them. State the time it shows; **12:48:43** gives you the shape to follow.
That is **11:16:32**
